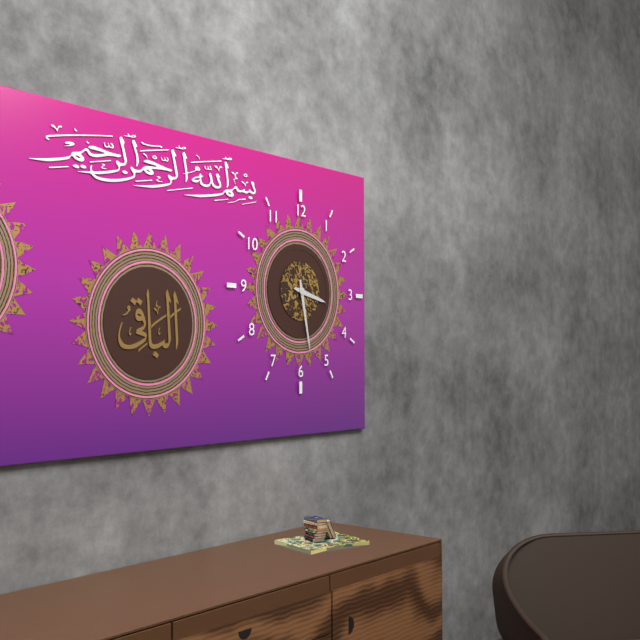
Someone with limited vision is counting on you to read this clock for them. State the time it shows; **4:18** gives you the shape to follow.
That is **3:28**
